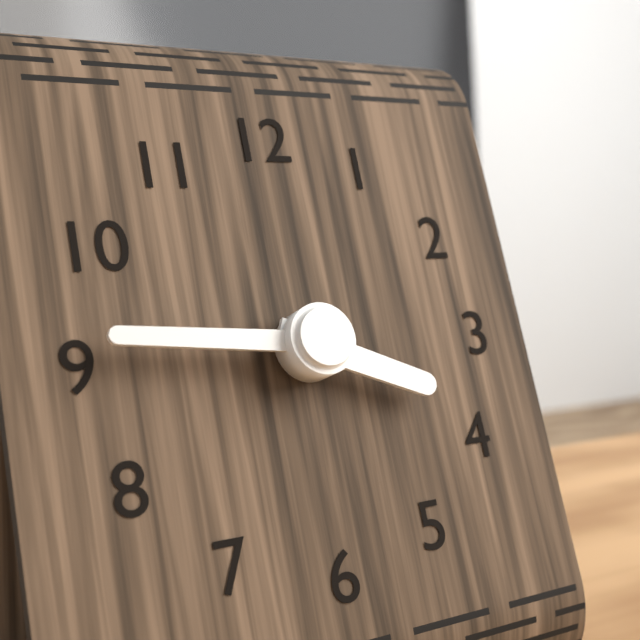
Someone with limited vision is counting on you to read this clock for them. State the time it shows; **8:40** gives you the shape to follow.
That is **3:46**
